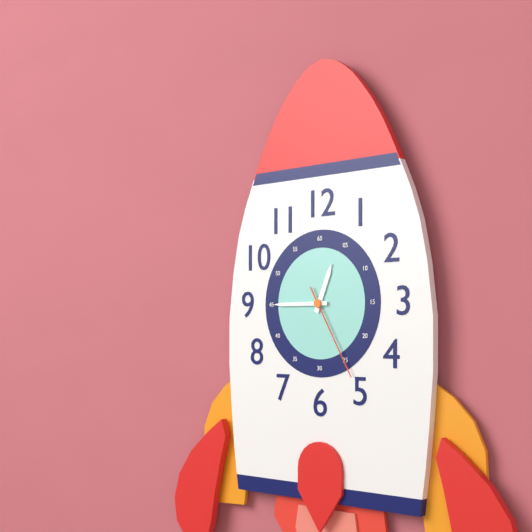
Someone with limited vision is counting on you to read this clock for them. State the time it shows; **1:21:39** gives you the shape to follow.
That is **12:45:25**
